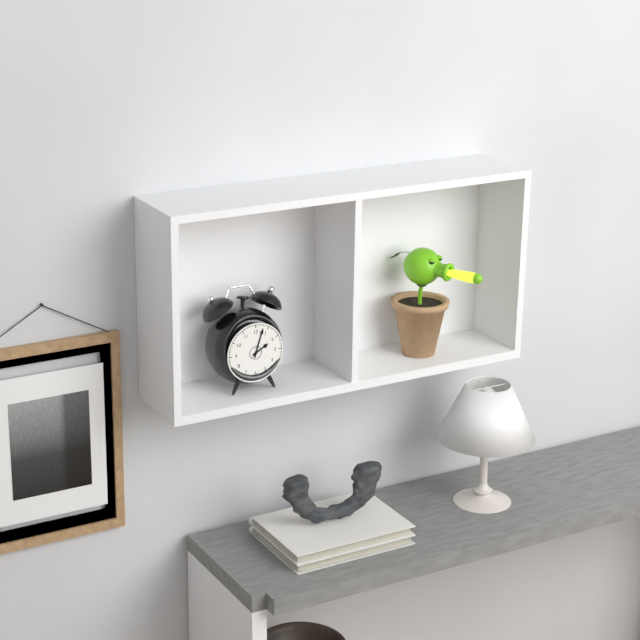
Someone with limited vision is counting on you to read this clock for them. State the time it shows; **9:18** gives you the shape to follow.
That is **2:03**
